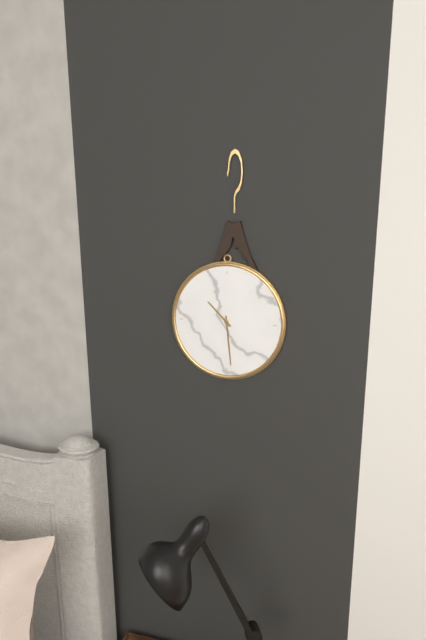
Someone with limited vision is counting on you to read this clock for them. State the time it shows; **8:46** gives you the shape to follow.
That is **10:29**
